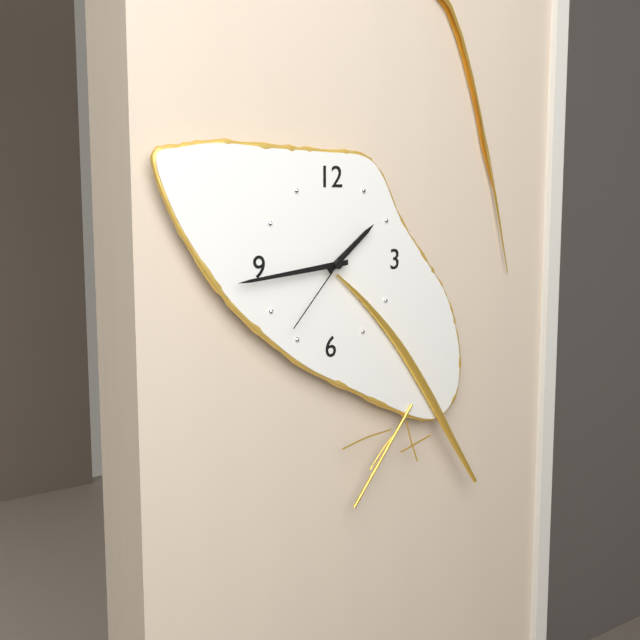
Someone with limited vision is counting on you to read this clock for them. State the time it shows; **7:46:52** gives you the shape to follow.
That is **1:44:37**
